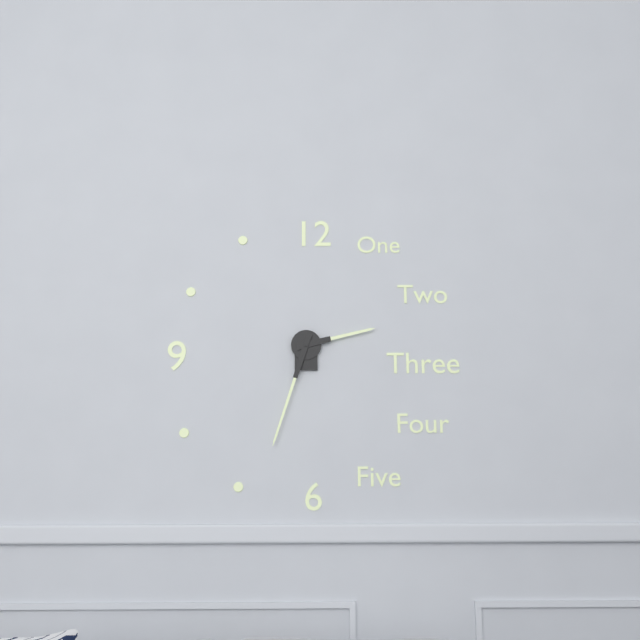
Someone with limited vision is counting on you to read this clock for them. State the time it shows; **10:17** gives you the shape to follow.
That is **2:33**
